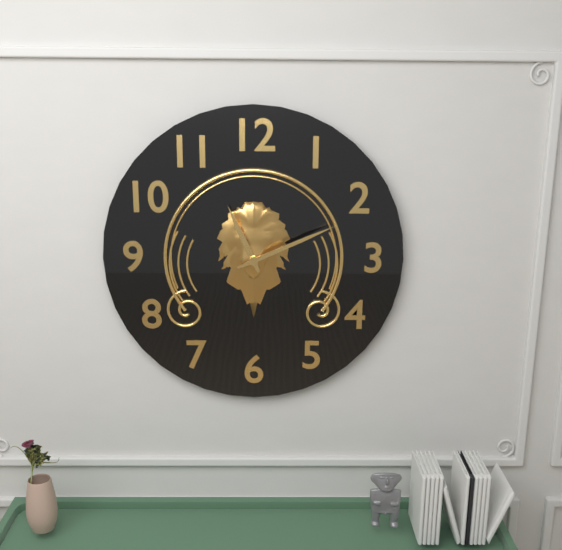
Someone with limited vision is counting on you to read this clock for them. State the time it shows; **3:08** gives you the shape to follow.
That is **11:11**
